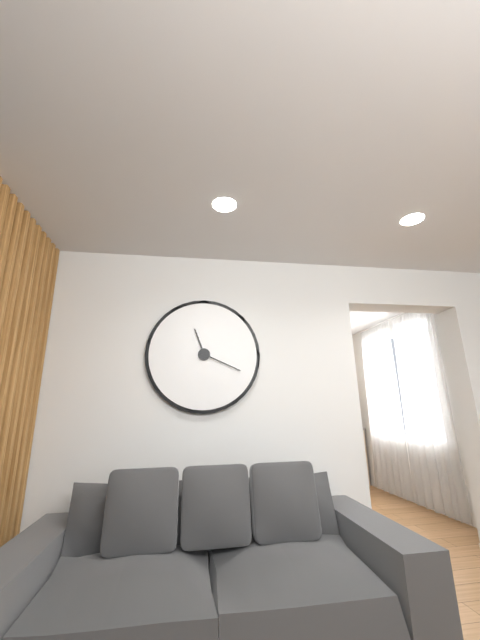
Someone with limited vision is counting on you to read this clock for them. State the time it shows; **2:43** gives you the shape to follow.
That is **11:19**
